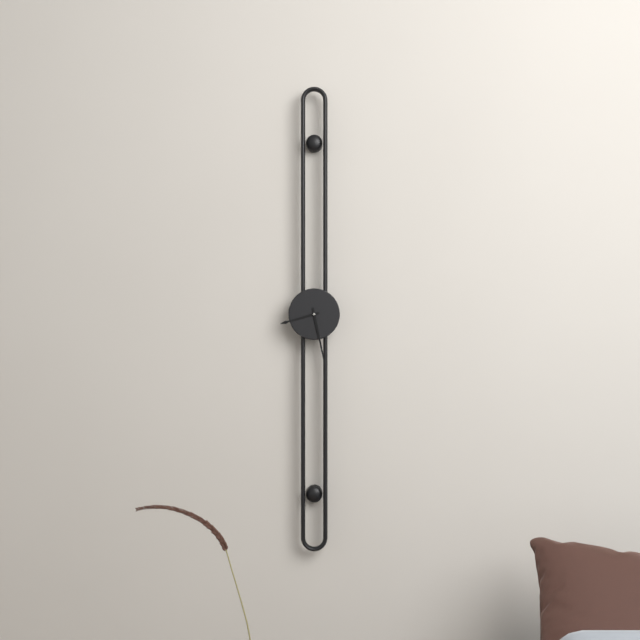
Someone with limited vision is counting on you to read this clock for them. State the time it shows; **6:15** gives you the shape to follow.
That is **8:28**
